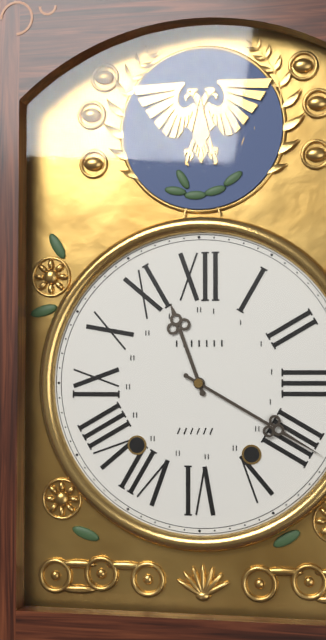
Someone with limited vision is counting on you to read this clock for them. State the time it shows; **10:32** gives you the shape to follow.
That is **11:20**
